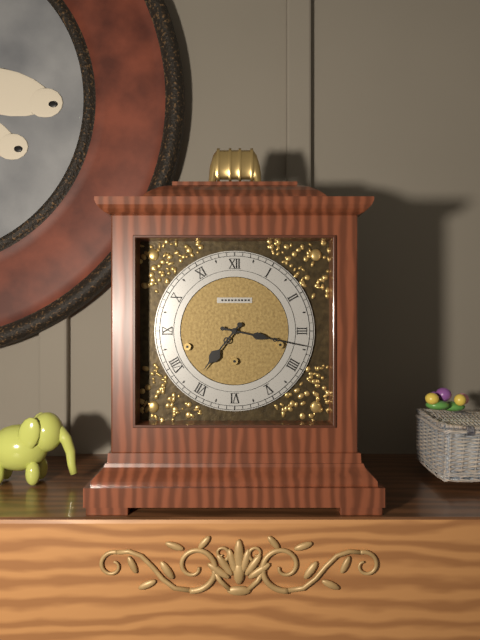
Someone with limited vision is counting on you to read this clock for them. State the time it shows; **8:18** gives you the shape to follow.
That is **7:17**
